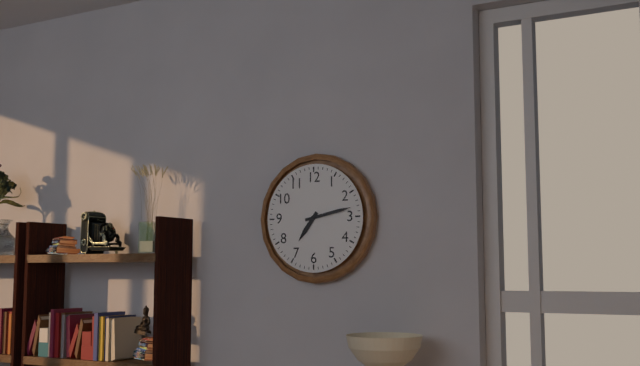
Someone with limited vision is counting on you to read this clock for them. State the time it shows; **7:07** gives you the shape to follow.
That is **7:13**
